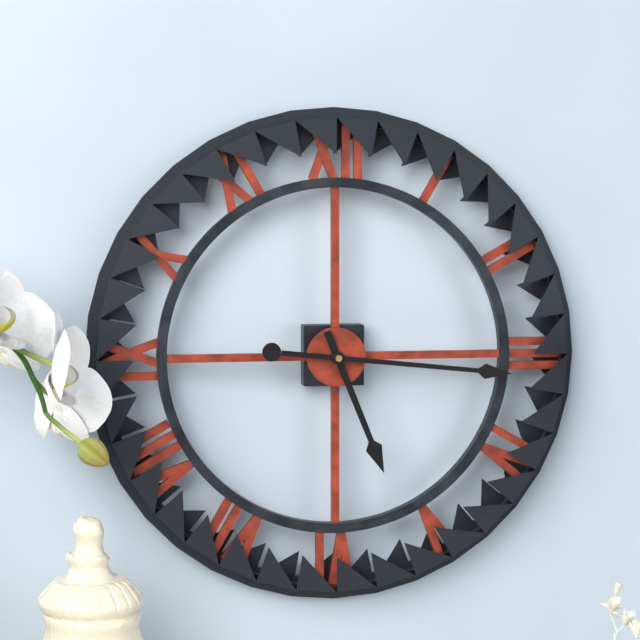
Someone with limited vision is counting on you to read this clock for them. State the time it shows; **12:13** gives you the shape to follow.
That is **5:16**
